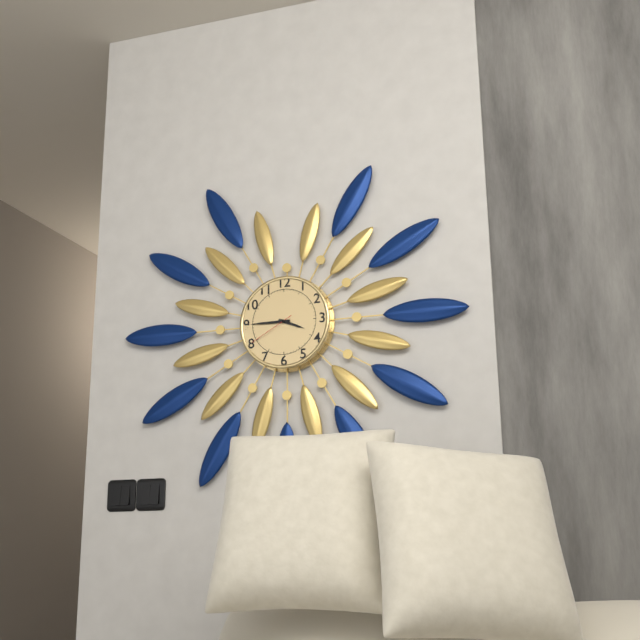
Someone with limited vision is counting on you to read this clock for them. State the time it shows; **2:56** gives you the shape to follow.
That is **3:45**
